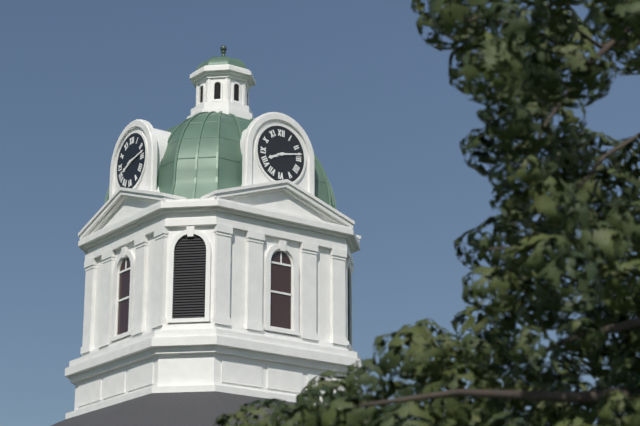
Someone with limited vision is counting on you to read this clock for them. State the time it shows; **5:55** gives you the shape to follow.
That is **8:13**
